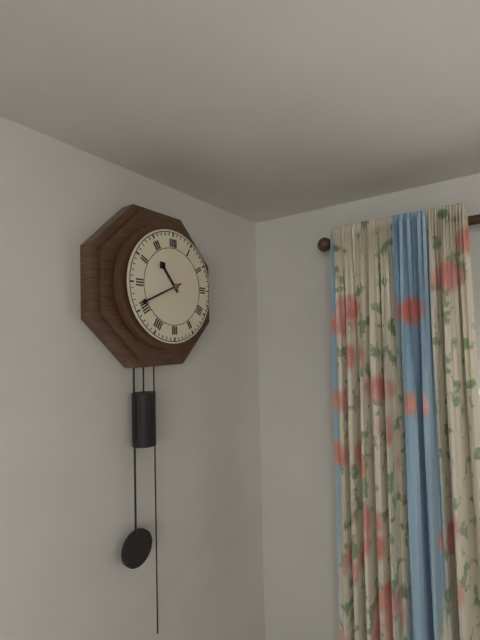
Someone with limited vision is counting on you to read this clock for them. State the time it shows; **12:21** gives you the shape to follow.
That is **10:41**
